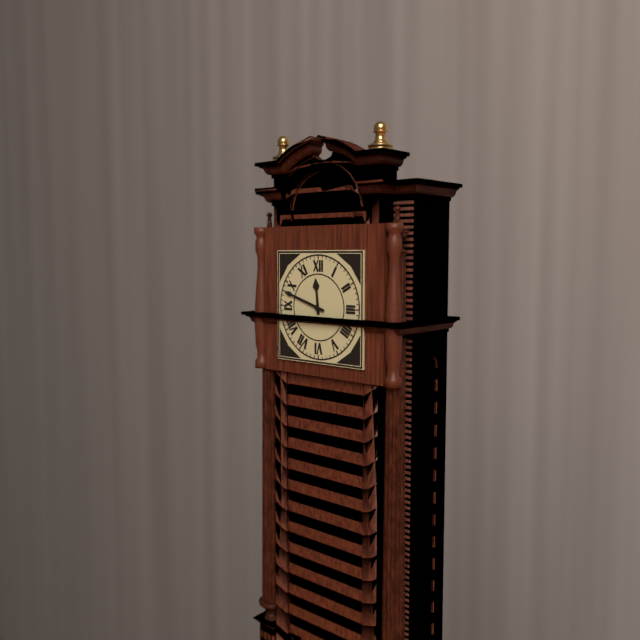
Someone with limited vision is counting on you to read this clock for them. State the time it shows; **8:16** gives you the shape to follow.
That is **11:48**
